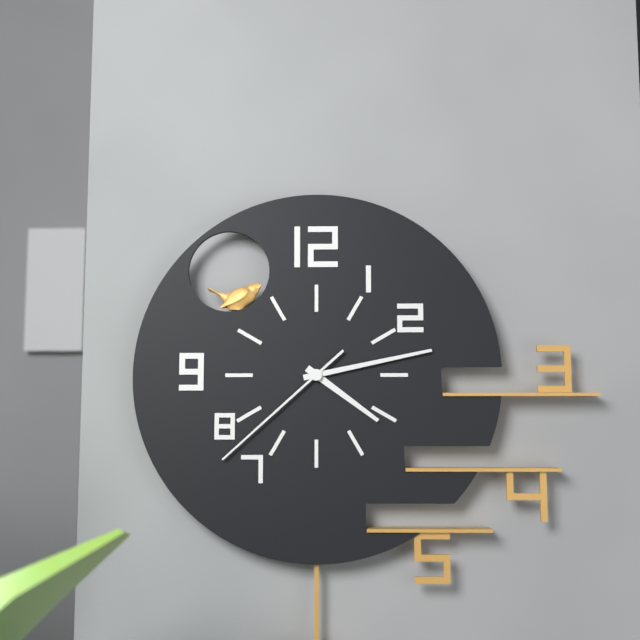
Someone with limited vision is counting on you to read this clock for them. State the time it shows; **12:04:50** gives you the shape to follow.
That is **4:13:38**
